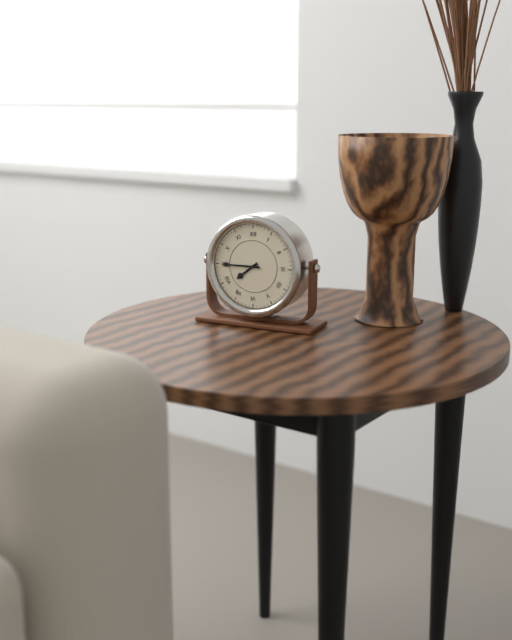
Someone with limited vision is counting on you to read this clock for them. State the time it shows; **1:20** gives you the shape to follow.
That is **7:45**
